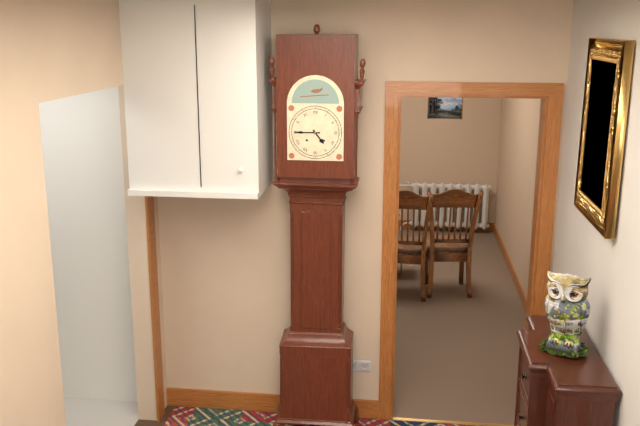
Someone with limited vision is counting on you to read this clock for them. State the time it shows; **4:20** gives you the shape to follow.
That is **4:45**
